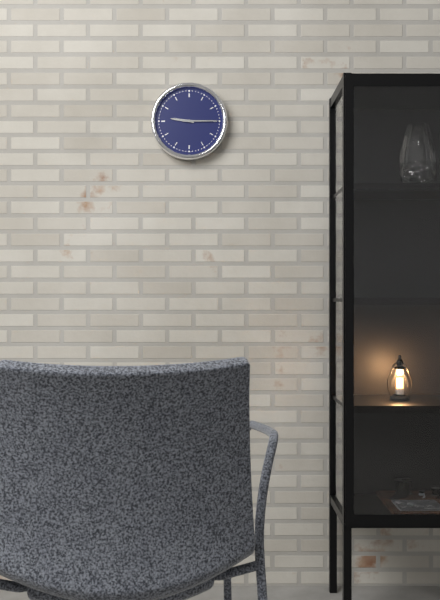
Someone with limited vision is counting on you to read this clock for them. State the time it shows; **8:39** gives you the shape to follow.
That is **9:15**
